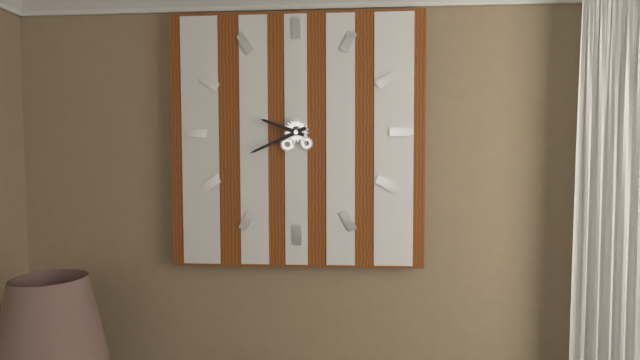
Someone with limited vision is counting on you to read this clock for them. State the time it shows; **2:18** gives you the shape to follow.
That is **9:41**
